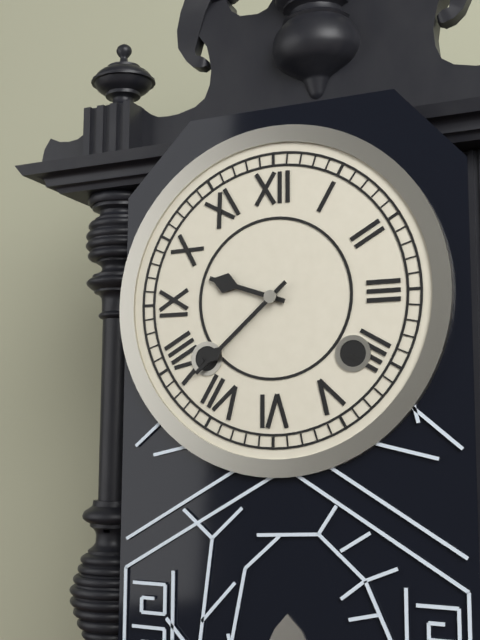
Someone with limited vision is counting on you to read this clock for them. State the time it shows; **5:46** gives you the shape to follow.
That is **9:38**
